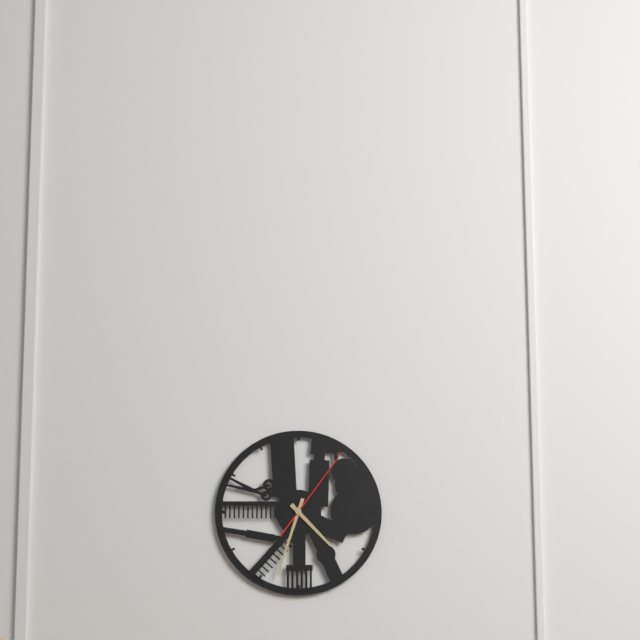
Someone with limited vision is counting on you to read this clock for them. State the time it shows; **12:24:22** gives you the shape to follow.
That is **4:33:06**
